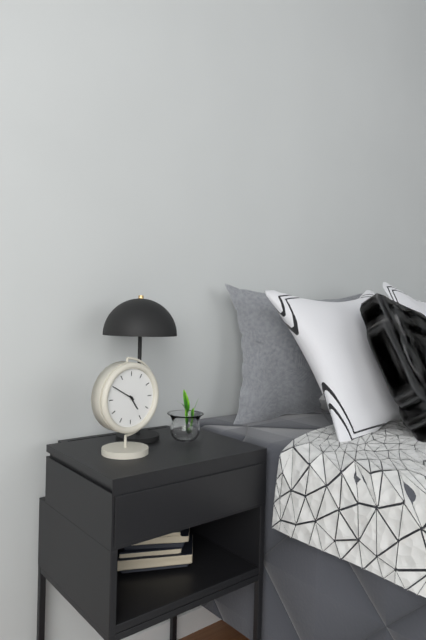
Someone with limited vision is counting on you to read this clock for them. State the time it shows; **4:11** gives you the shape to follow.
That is **4:50**
